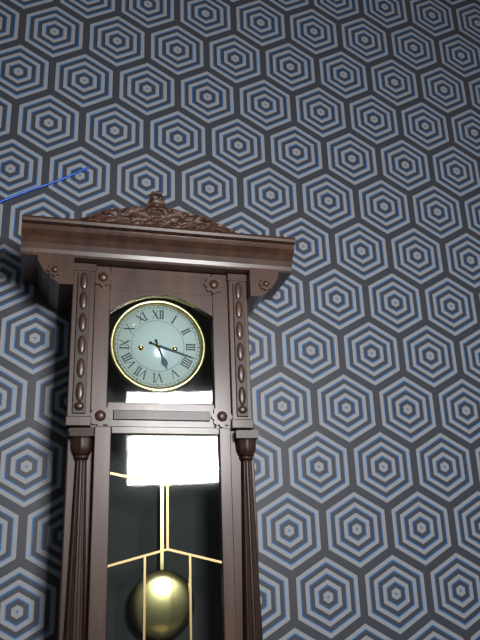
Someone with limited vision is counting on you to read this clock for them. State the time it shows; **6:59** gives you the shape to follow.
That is **5:18**
